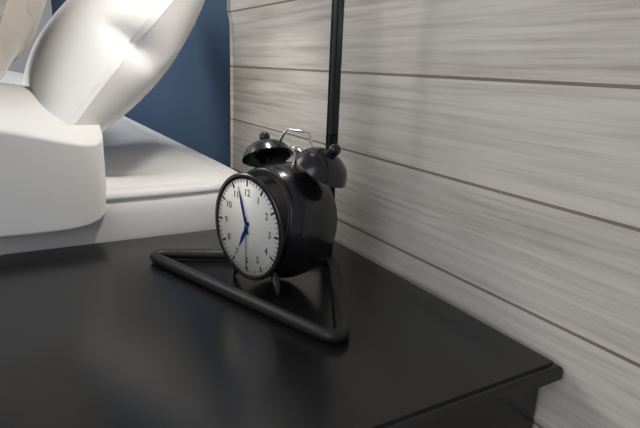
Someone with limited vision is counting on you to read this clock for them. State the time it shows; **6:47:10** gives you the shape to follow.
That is **6:57:30**
